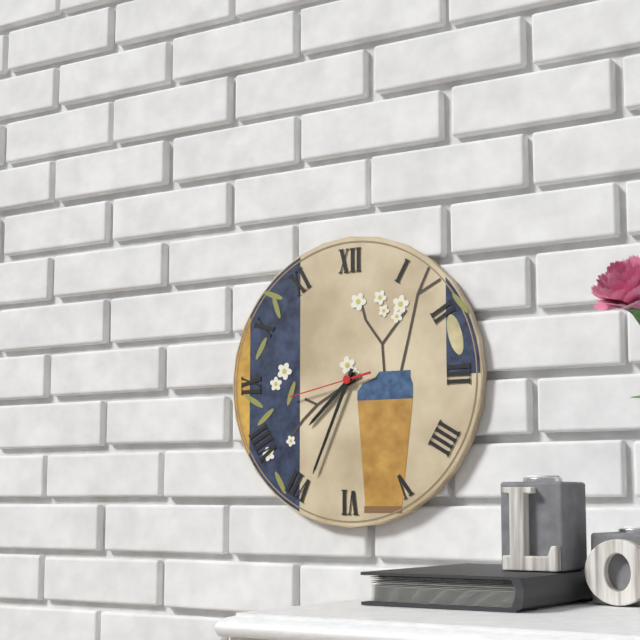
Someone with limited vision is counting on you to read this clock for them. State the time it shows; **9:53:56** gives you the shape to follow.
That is **7:34:43**
